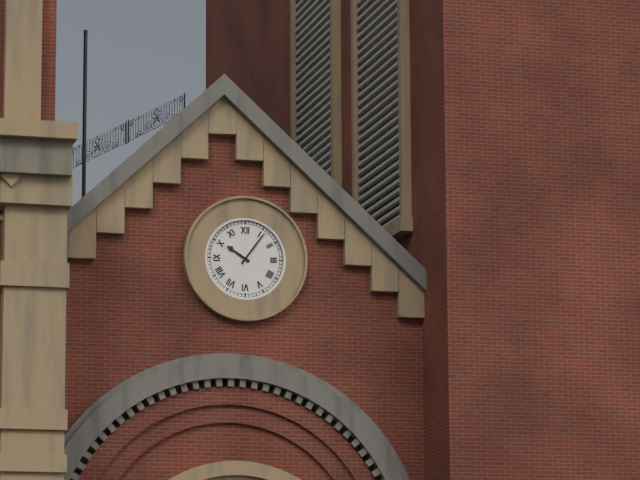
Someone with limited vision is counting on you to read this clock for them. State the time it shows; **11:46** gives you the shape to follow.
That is **10:06**
